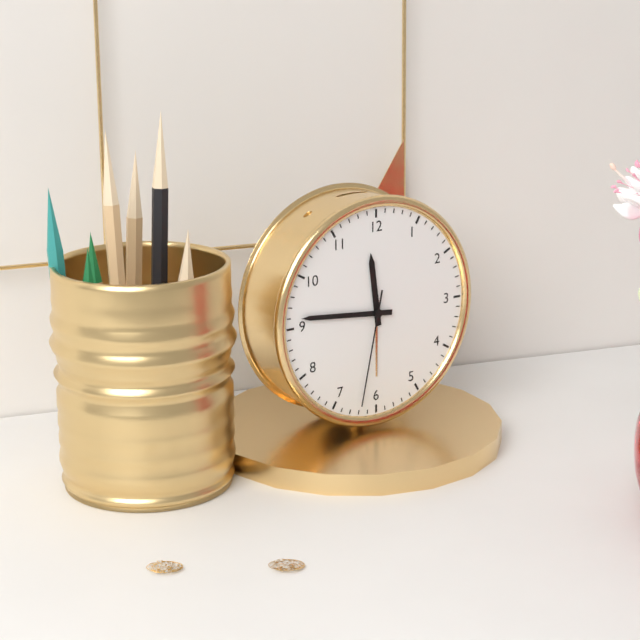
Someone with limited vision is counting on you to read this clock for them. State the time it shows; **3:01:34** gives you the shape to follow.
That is **11:46:32**
